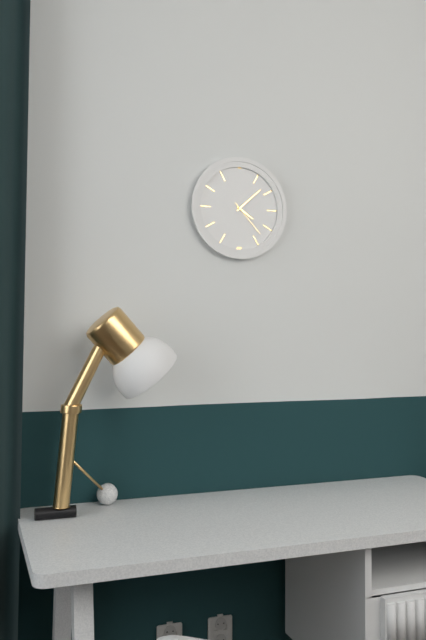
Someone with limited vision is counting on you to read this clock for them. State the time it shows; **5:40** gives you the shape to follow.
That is **4:08**
